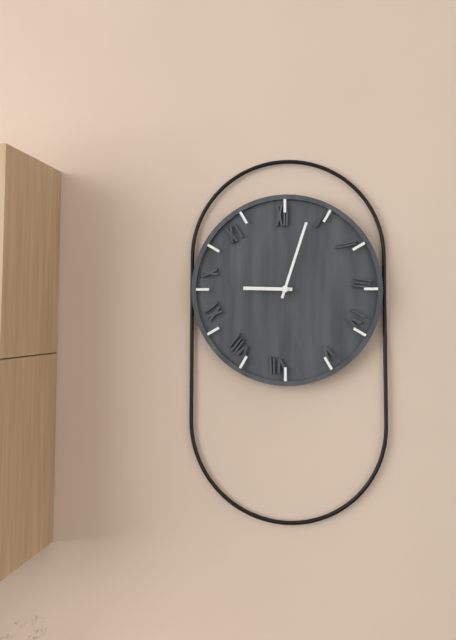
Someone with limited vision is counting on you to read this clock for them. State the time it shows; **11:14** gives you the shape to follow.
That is **9:03**
